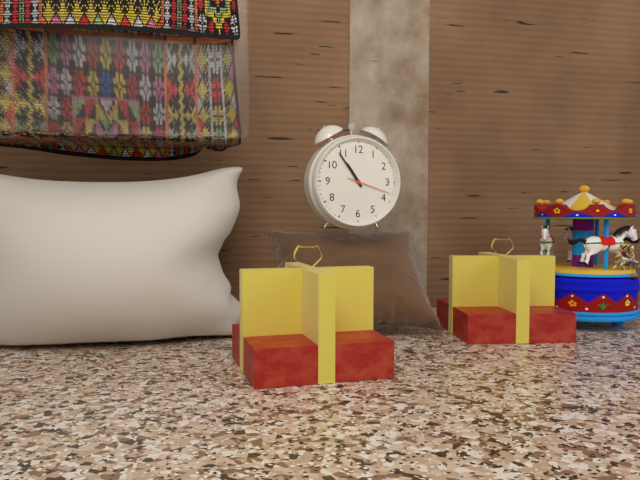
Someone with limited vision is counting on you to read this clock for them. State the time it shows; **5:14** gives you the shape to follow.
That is **10:54**
